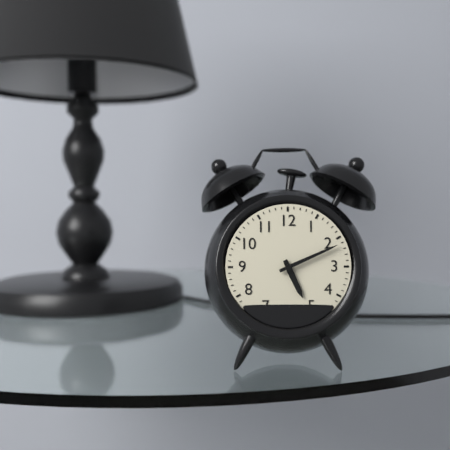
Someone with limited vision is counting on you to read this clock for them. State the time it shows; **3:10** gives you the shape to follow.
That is **5:11**
